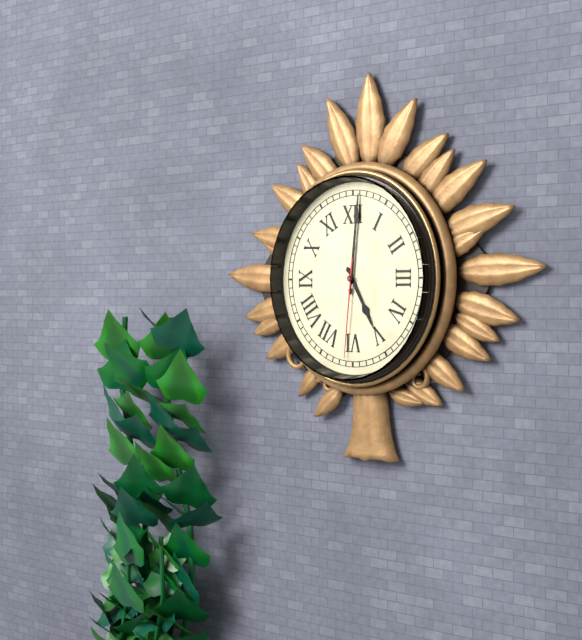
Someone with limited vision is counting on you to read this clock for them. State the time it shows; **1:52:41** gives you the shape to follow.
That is **5:01:31**
